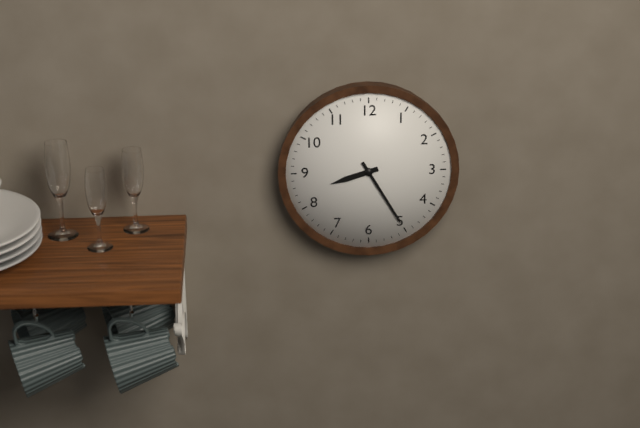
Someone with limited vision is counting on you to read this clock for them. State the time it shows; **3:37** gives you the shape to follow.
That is **8:25**
